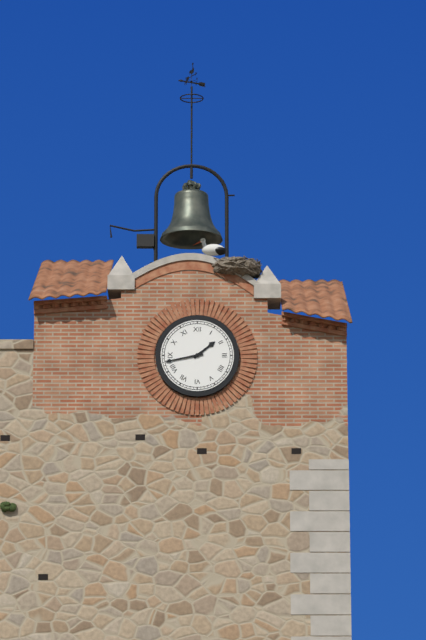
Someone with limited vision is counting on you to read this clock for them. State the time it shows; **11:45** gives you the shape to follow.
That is **1:43**
